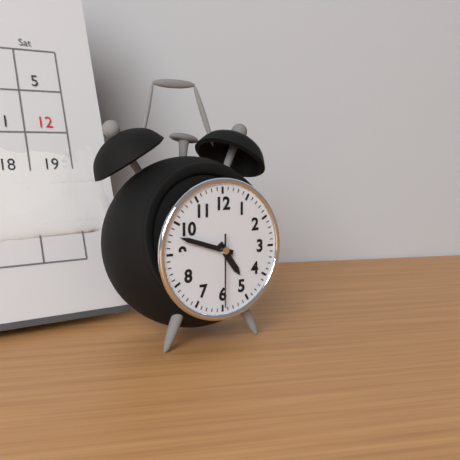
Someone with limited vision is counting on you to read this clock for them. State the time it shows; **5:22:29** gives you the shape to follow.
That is **4:48:30**
